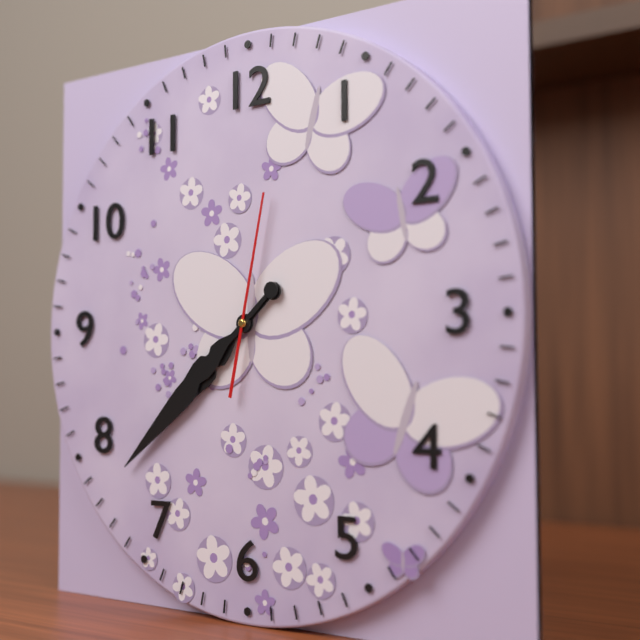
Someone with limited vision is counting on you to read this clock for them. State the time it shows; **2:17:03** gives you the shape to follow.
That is **7:38:02**
